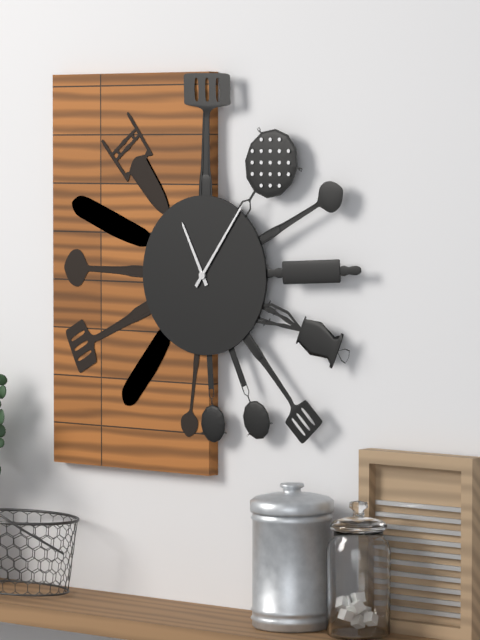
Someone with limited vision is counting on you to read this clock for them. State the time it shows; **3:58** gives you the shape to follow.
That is **11:06**
